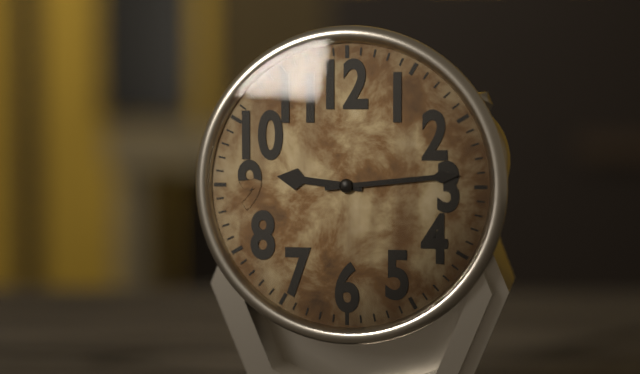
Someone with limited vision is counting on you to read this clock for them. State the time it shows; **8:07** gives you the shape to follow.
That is **9:14**
